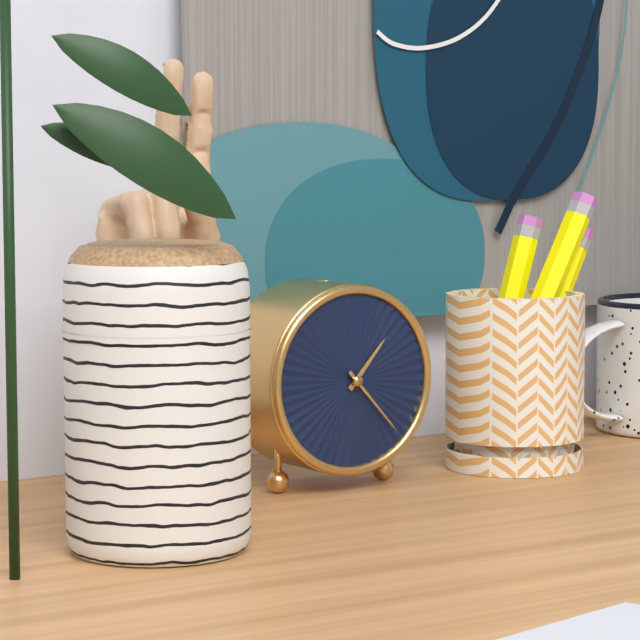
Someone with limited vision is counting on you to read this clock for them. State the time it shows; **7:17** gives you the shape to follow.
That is **1:23**
